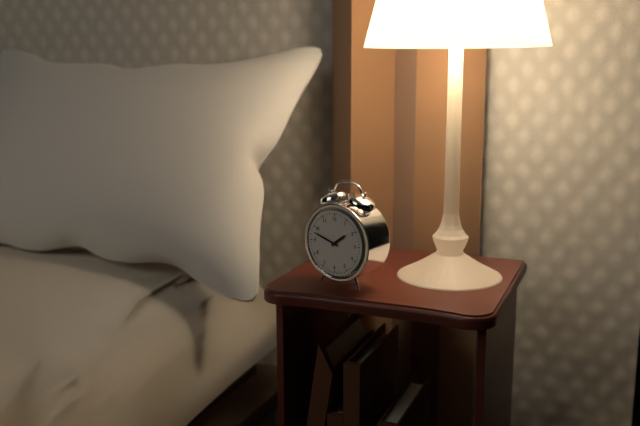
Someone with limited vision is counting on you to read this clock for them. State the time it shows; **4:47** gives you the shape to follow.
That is **1:48**
